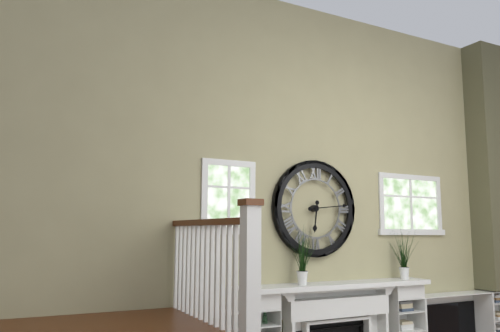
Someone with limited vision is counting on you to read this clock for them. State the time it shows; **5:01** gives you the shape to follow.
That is **6:14**
